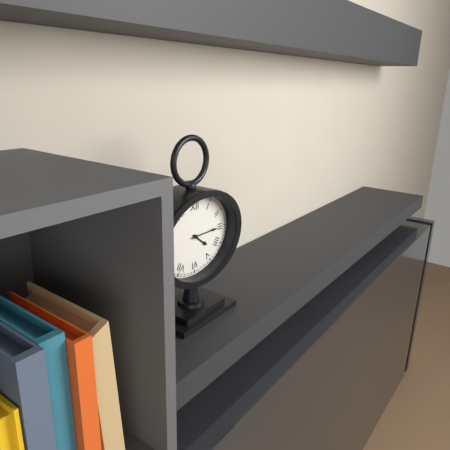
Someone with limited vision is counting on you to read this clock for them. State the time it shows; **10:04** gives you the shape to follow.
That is **4:15**
